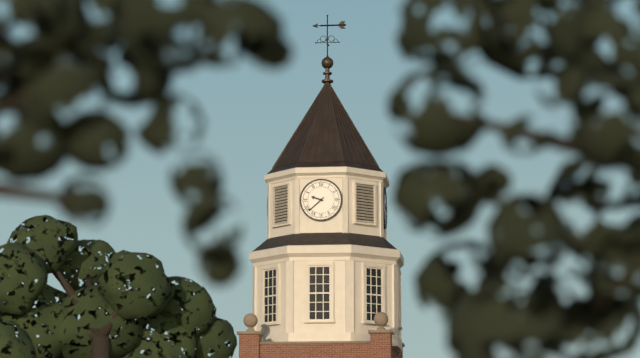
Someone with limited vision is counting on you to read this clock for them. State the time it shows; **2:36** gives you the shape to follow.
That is **9:38**
